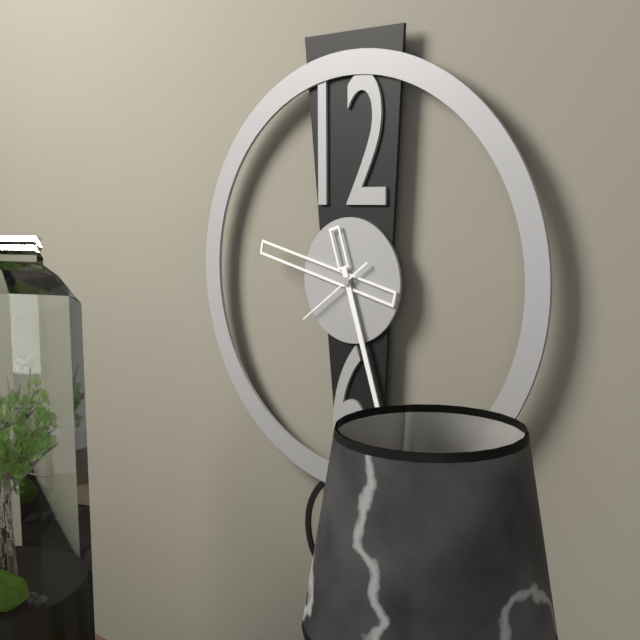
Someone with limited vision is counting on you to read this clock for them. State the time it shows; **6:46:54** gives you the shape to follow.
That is **9:27:39**
